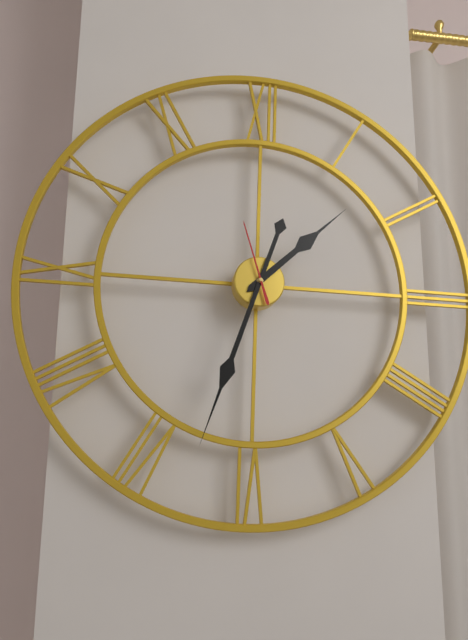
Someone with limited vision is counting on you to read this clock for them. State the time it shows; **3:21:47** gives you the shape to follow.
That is **1:33:57**
